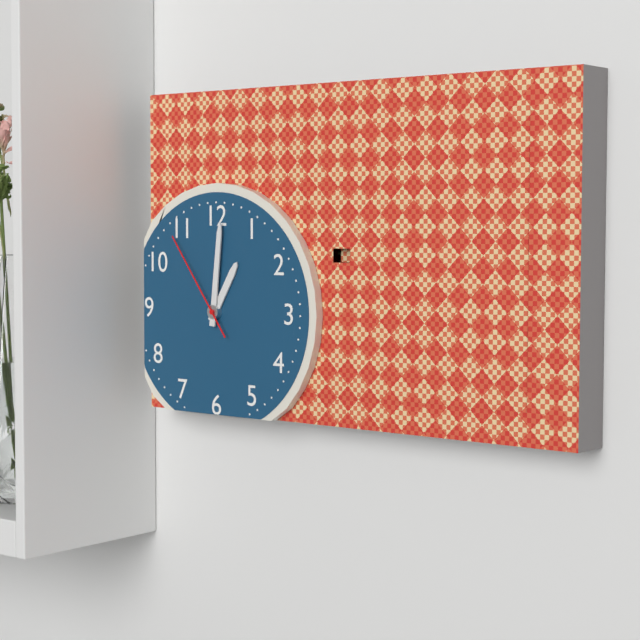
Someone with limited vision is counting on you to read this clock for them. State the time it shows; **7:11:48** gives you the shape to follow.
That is **1:01:54**
